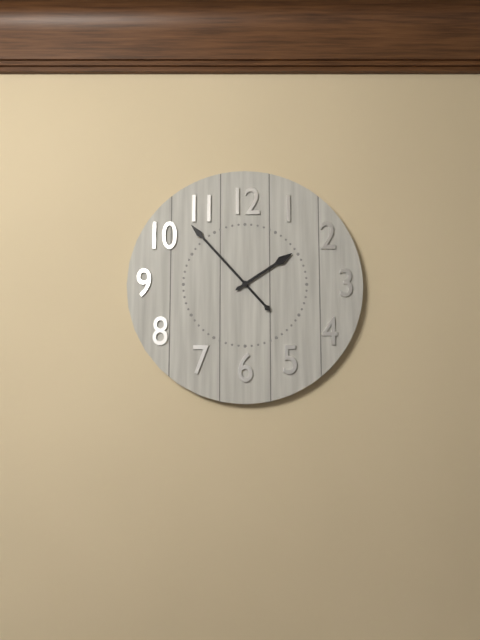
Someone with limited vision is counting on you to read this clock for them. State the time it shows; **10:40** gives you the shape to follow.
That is **1:53**
